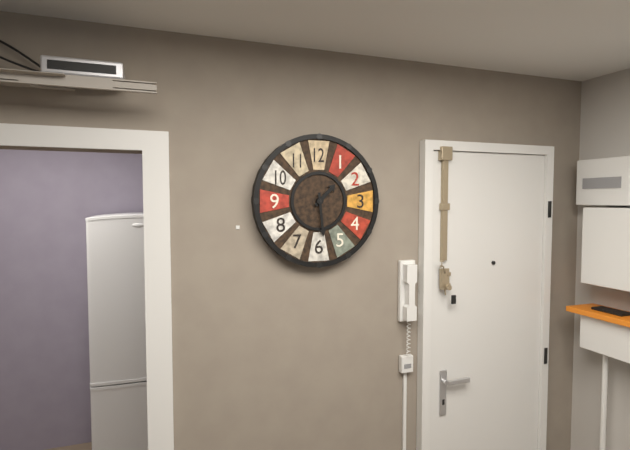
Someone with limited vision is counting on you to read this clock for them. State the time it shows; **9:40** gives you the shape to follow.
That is **1:29**
